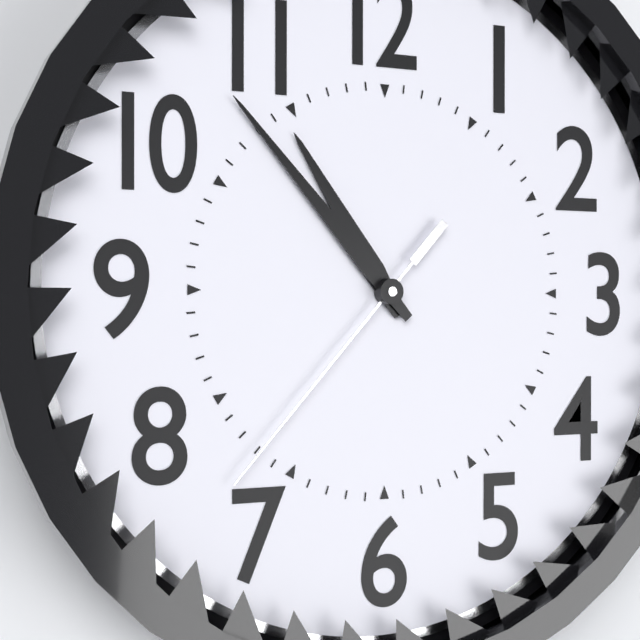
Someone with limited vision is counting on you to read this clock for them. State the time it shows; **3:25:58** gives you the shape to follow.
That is **10:53:37**
